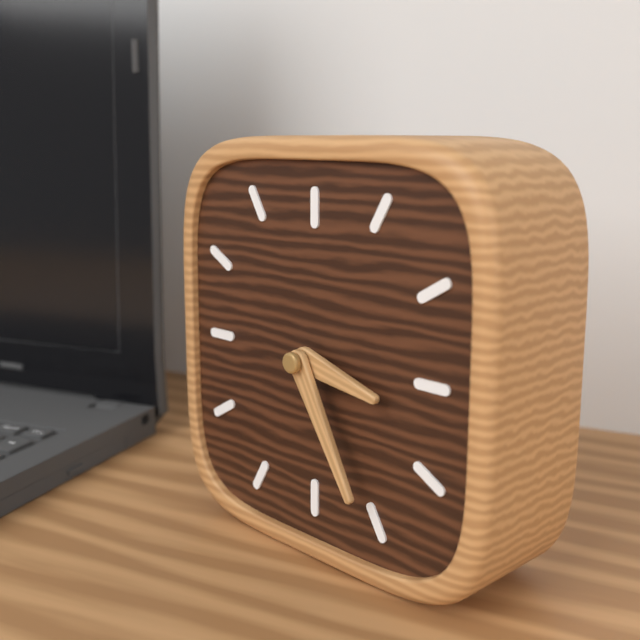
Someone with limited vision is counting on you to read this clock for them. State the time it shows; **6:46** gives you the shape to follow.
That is **3:25**
